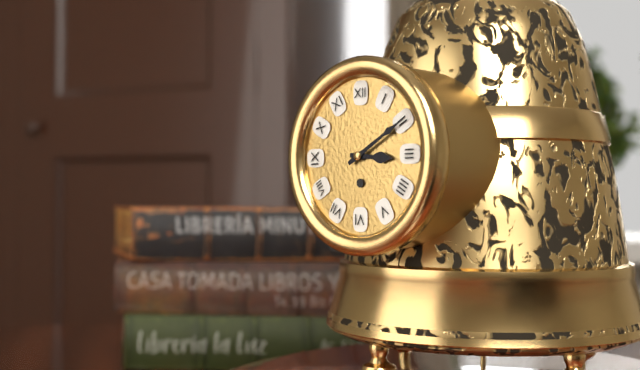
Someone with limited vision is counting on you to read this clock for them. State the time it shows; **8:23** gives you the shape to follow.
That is **3:10**
